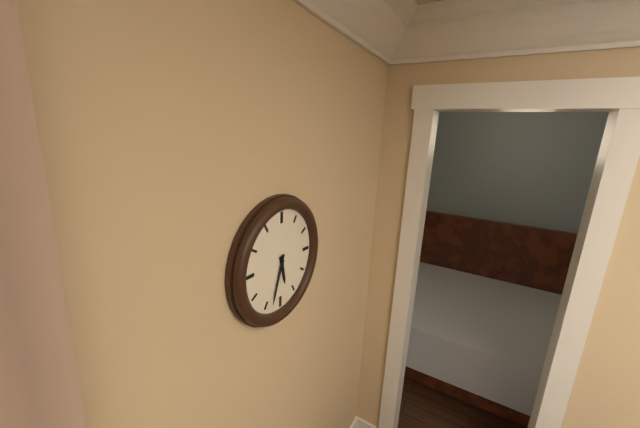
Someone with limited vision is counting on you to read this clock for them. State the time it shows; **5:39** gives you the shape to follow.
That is **5:33**
